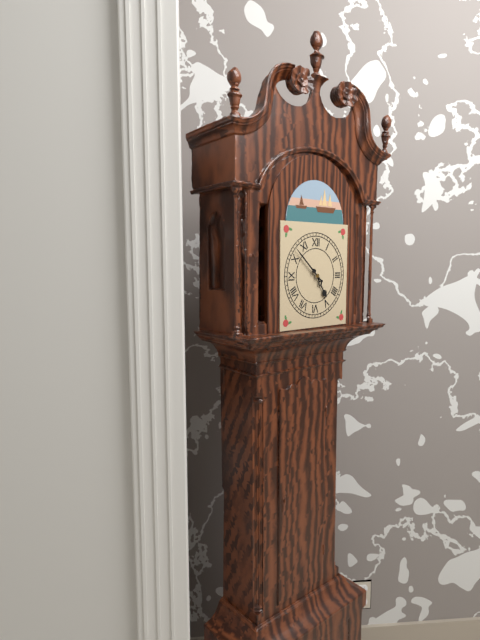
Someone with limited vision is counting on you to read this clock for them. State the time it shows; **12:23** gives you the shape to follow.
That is **4:52**
